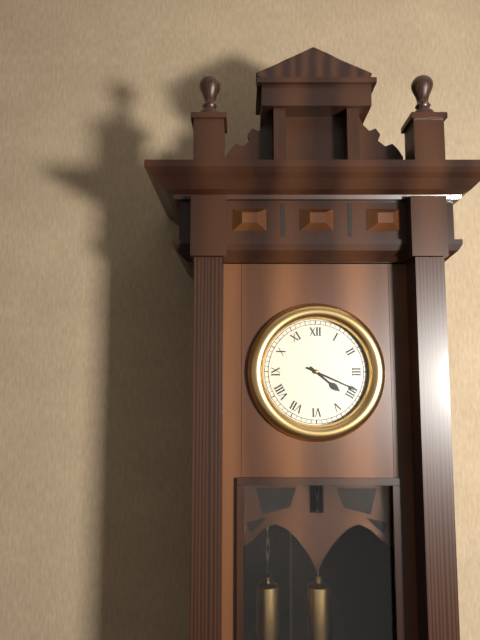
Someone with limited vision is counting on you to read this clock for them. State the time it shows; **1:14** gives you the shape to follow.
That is **4:19**
